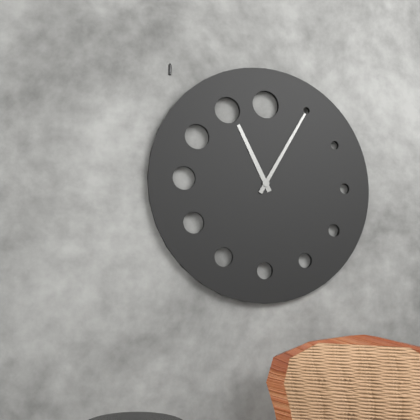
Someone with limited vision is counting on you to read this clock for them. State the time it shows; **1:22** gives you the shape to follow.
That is **11:05**
